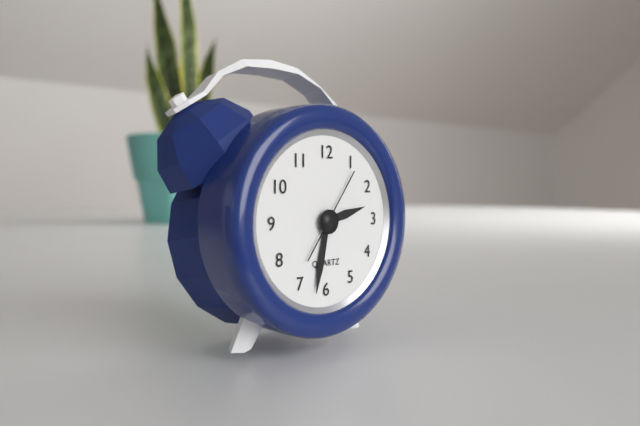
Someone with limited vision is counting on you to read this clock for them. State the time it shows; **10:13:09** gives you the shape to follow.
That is **2:32:06**
